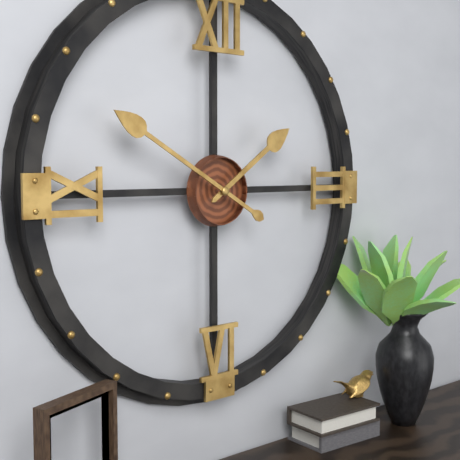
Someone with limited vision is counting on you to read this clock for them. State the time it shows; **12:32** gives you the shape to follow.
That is **1:50**
